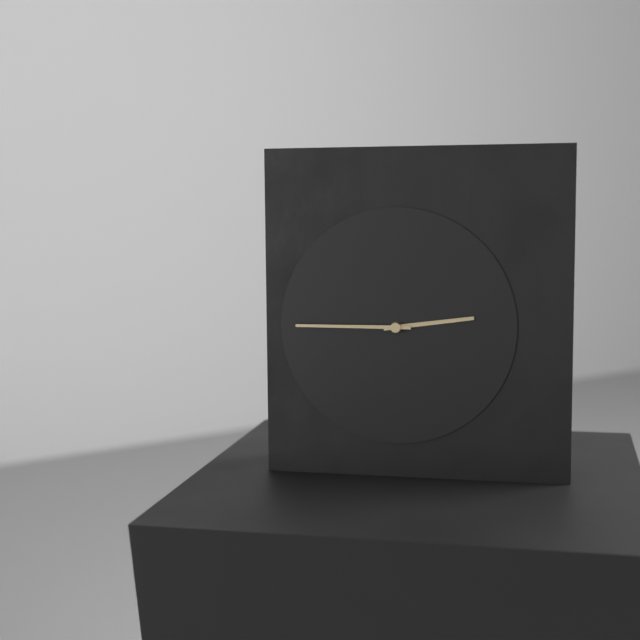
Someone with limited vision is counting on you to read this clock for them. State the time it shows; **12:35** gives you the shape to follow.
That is **2:45**
